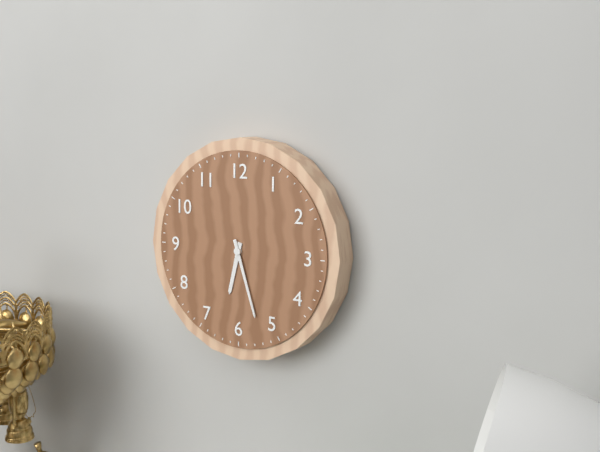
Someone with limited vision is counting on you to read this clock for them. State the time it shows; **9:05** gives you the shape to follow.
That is **6:27**
